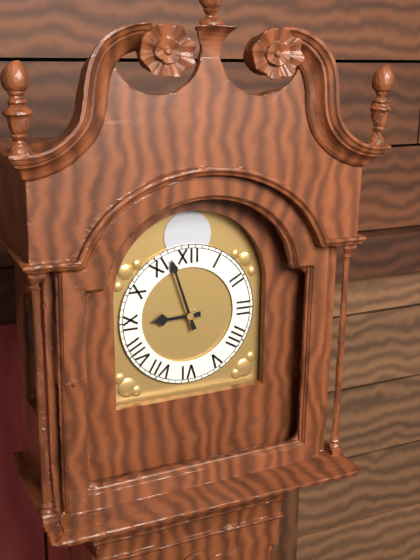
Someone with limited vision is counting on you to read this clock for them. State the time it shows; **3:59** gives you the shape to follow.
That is **8:57**
